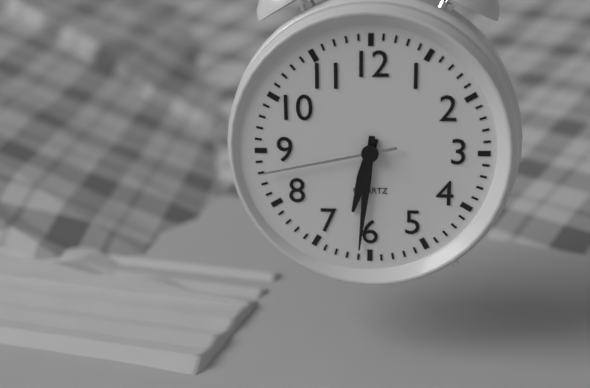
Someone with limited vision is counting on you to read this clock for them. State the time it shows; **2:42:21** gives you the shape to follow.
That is **6:31:43**
